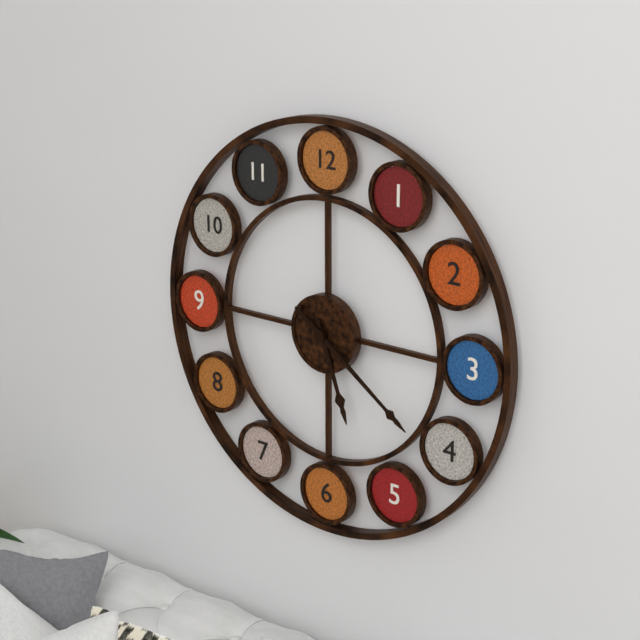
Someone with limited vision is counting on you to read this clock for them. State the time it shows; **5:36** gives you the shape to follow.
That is **5:21**
